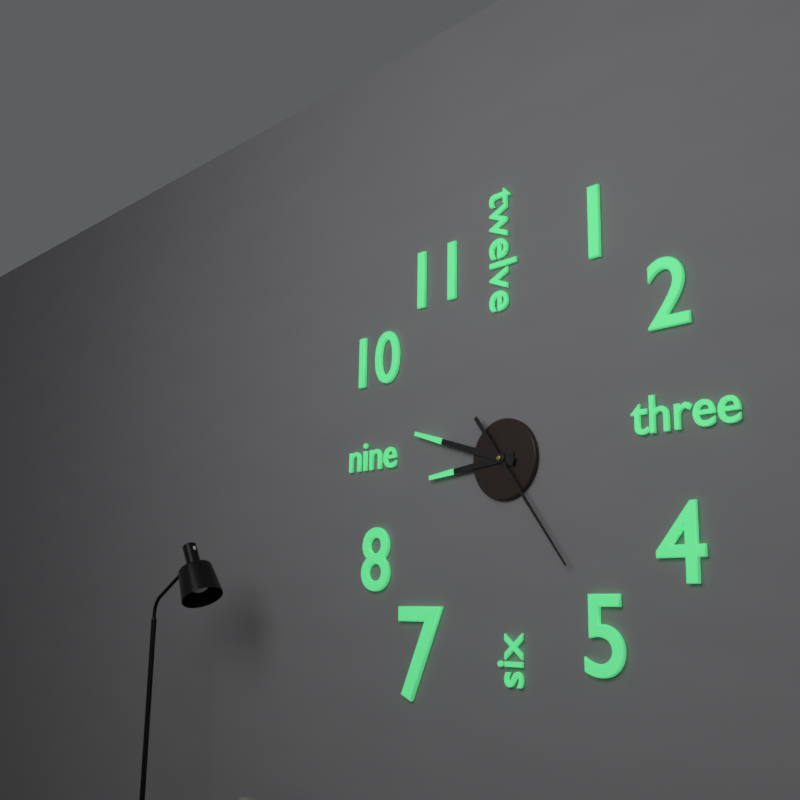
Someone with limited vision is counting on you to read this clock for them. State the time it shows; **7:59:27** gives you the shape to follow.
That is **8:48:24**
